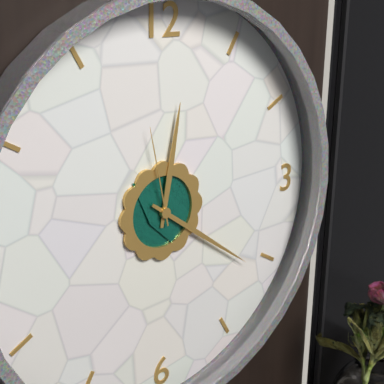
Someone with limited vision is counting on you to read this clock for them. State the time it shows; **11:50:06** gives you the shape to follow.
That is **12:21:58**
